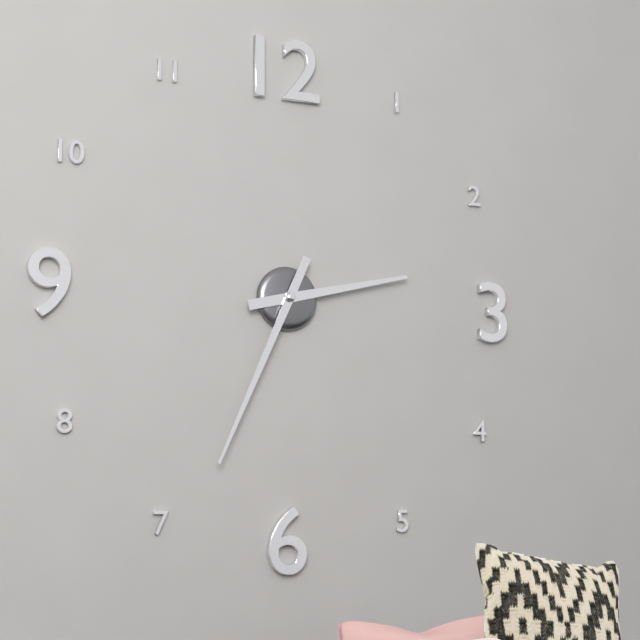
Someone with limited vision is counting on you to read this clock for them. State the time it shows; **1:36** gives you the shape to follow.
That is **2:34**
